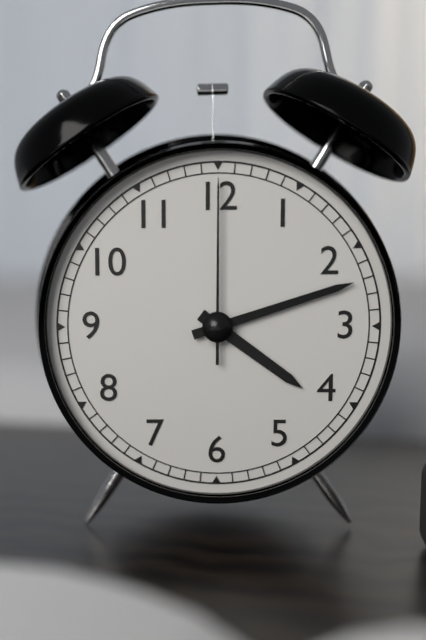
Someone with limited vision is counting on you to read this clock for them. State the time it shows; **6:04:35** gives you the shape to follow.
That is **4:12:00**
